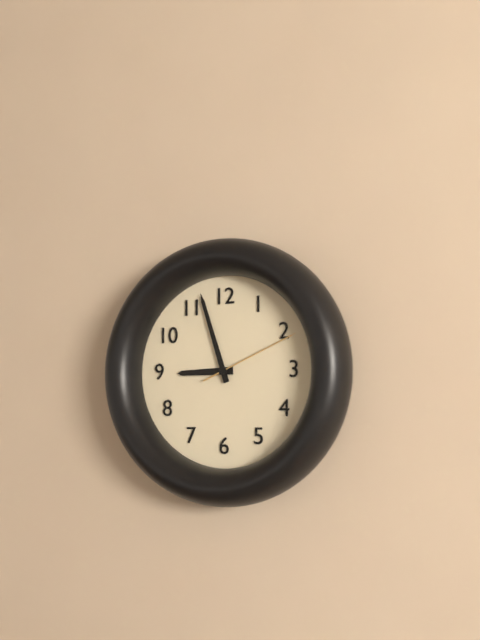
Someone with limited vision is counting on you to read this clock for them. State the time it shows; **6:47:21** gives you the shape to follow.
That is **8:57:11**
